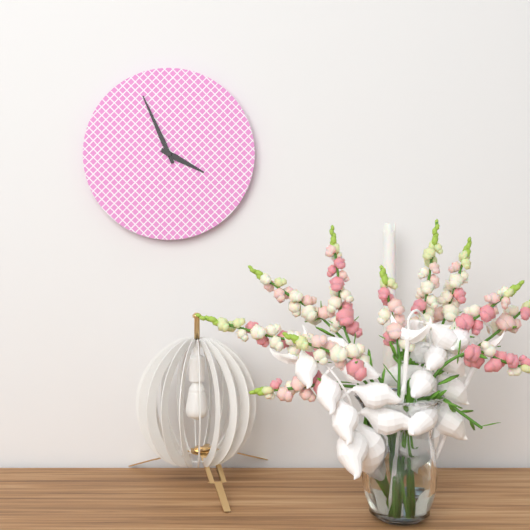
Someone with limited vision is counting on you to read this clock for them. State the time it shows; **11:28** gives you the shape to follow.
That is **3:56**
